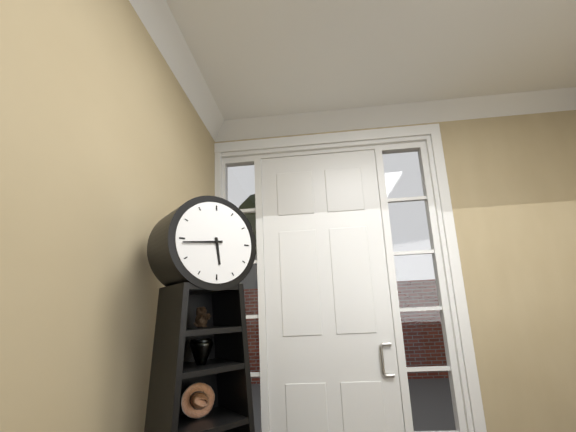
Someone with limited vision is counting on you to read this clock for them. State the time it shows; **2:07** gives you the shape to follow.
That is **5:44**
